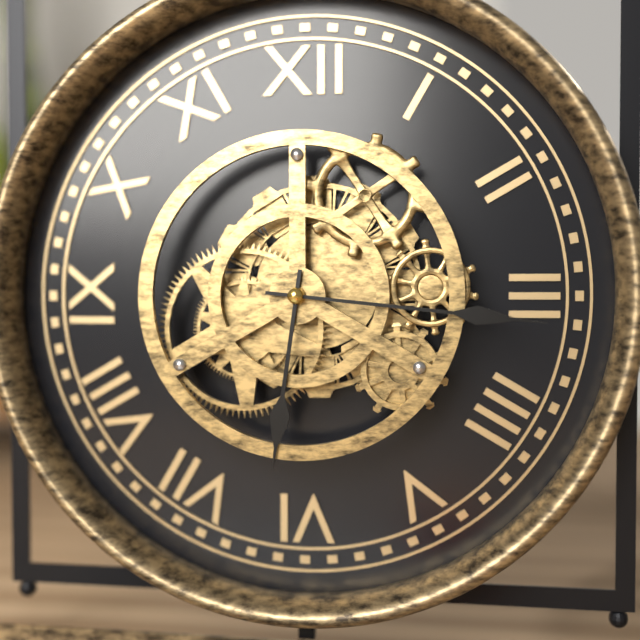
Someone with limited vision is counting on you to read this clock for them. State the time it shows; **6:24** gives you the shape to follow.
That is **6:16**
